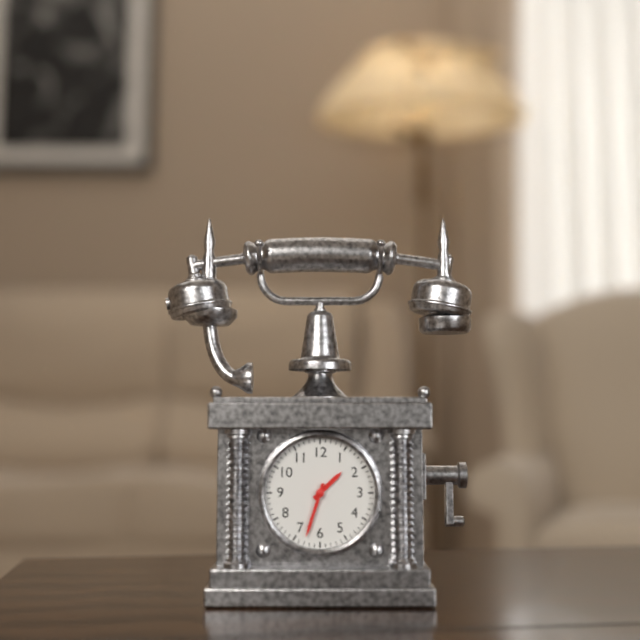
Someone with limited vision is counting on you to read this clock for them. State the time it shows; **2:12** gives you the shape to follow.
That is **1:33**
